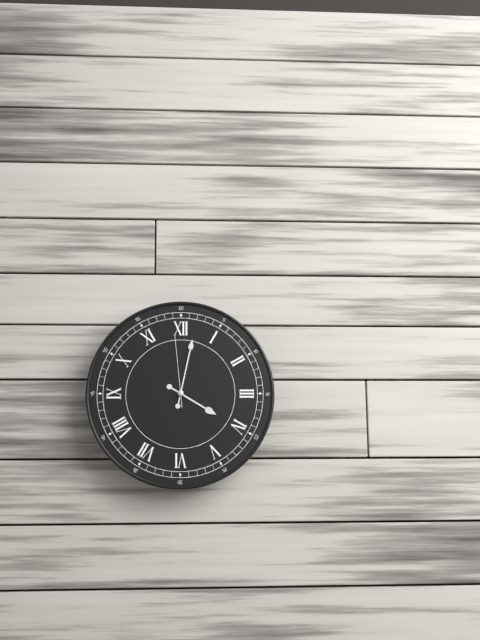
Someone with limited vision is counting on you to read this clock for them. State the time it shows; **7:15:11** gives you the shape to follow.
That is **4:02:59**
